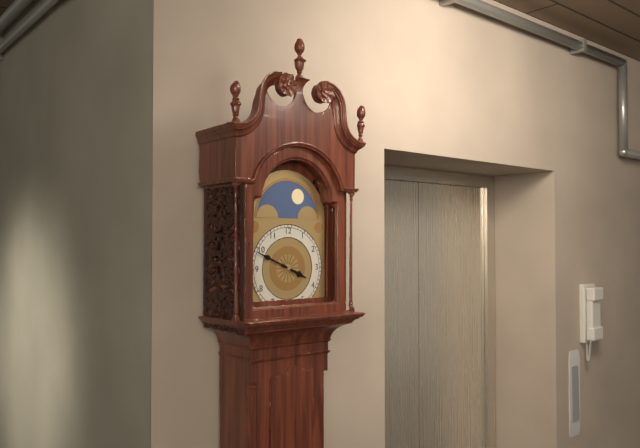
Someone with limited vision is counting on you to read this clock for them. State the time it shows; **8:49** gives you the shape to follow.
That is **3:49**
